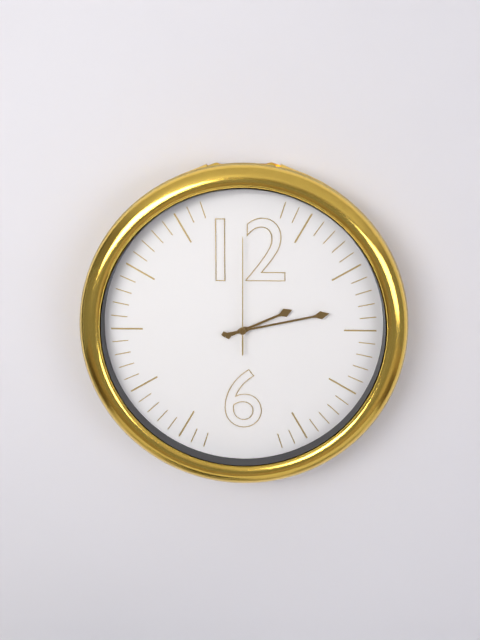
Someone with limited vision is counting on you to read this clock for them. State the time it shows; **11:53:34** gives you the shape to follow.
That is **2:13:00**
